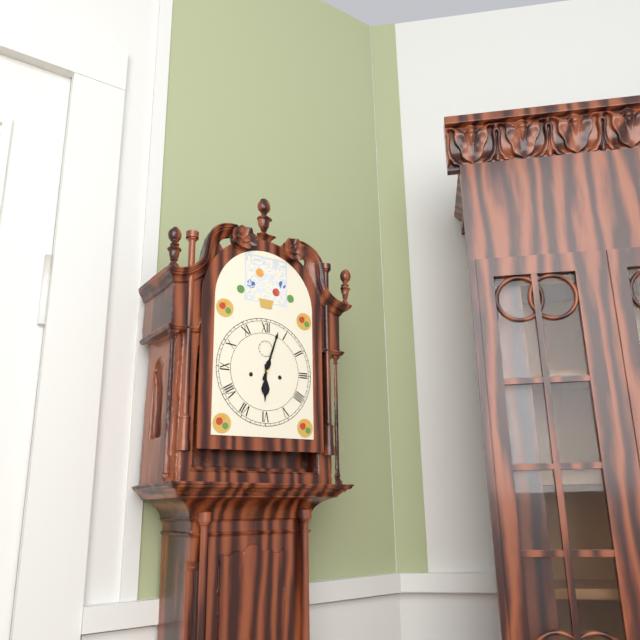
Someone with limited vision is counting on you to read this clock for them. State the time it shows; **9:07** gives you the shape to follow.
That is **6:03**
